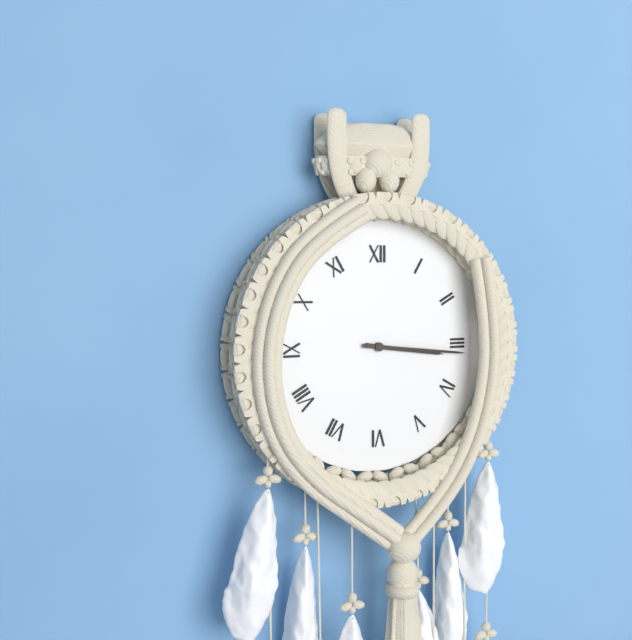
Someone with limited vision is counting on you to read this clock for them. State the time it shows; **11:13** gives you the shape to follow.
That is **3:16**
